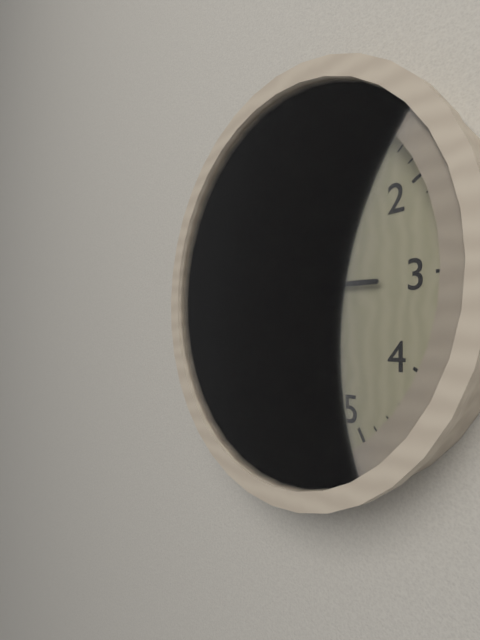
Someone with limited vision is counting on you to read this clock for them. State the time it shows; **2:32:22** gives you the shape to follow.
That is **3:04:55**
